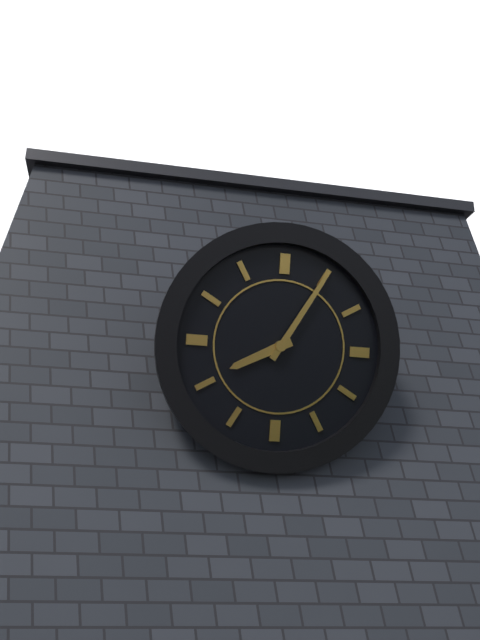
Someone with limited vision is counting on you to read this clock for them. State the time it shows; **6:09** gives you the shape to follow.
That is **8:05**
